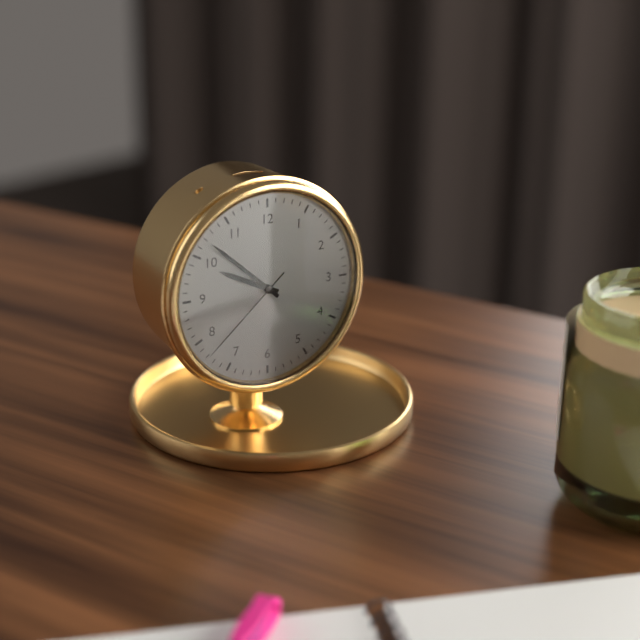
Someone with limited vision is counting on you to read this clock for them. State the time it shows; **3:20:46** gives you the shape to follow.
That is **9:52:38**
